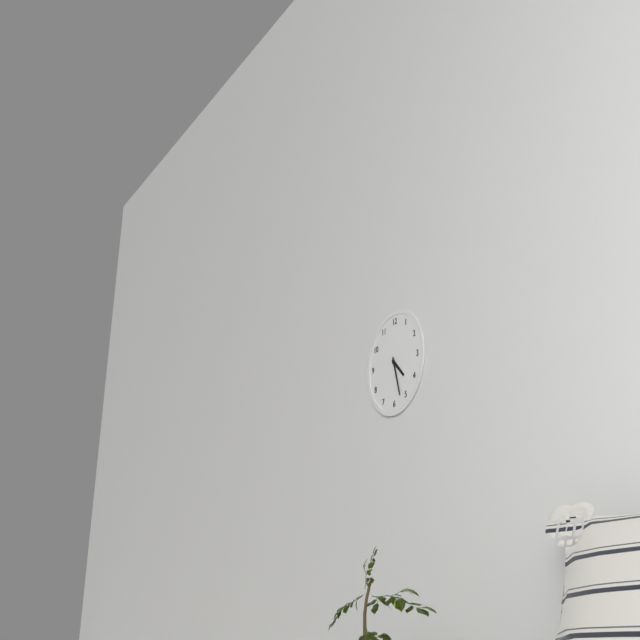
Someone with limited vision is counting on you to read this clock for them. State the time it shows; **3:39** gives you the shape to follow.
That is **4:27**
